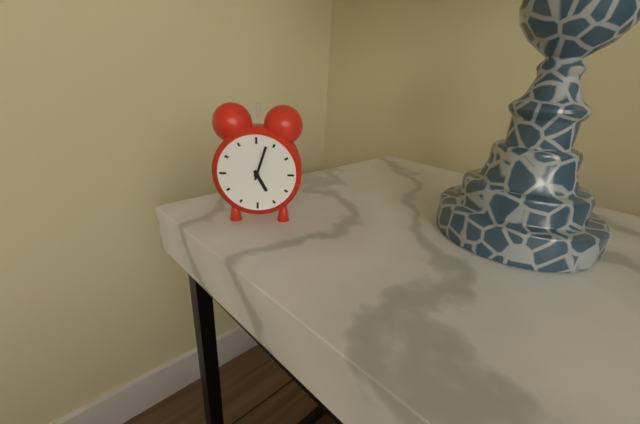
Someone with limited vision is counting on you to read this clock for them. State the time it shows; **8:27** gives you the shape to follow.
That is **5:03**
